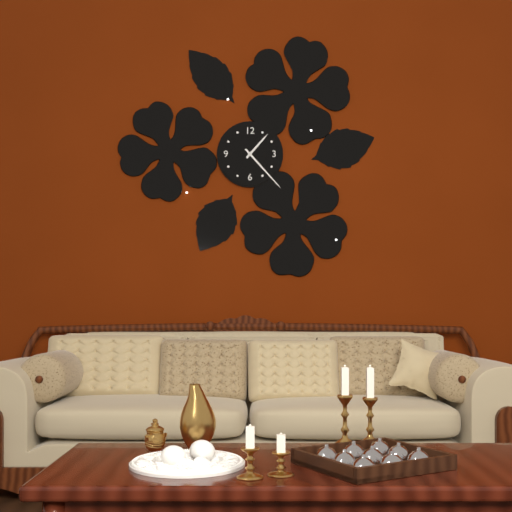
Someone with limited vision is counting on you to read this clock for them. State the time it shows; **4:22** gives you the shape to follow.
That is **1:23**
